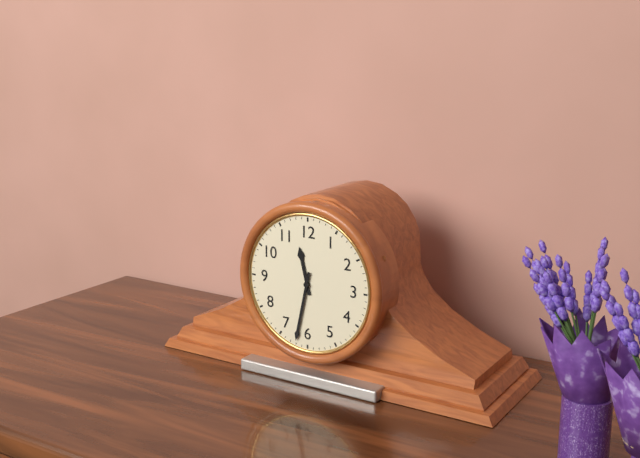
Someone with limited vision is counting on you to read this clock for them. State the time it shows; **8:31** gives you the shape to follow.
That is **11:32**
